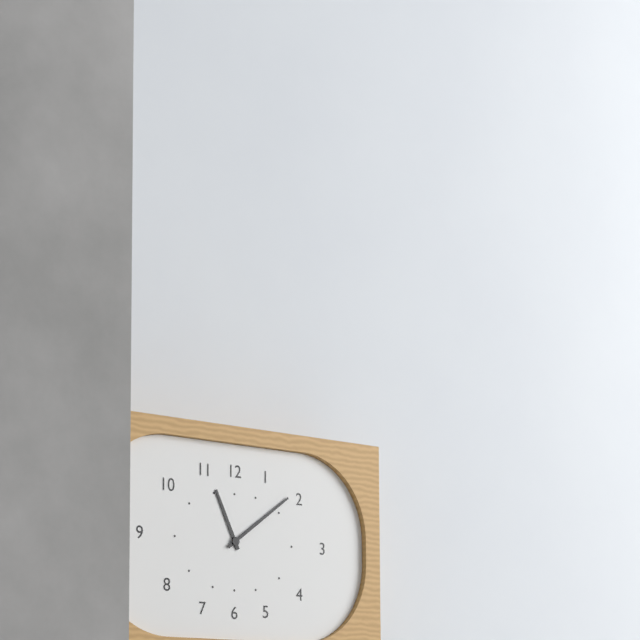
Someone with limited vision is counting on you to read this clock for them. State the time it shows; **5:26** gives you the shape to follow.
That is **11:09**
